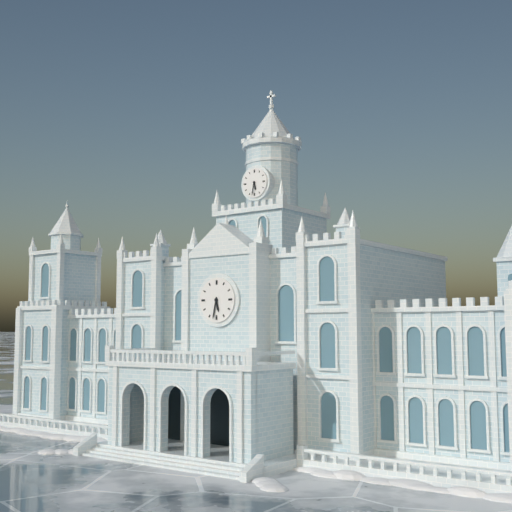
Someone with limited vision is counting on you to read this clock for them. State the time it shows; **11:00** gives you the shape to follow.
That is **5:32**
